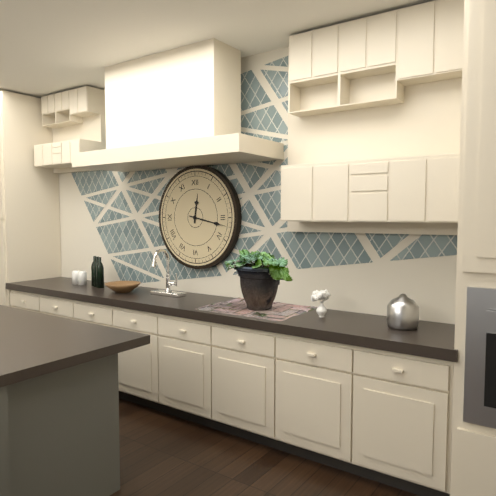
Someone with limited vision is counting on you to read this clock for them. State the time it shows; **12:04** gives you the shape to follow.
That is **12:17**
